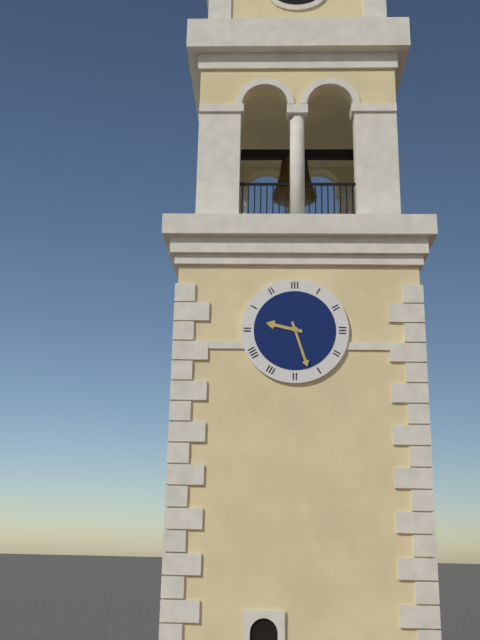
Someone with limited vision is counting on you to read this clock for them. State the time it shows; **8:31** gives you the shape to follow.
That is **9:27**
